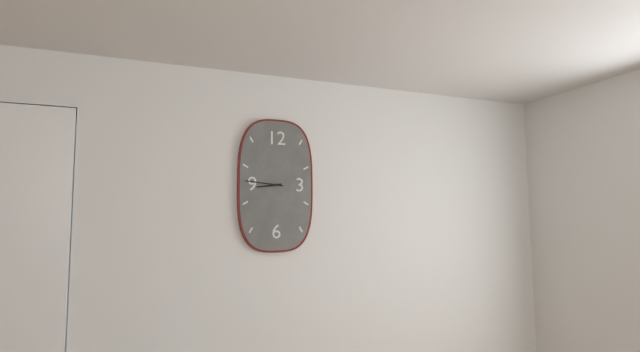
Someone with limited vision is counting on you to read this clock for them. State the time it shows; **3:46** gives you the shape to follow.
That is **8:46**
